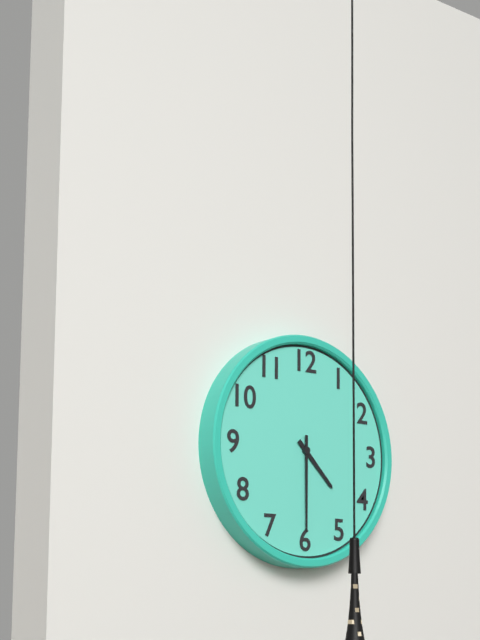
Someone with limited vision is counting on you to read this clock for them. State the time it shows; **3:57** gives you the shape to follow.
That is **4:30**
